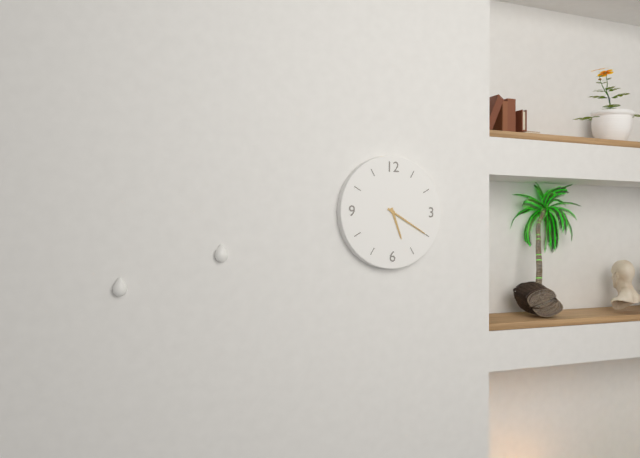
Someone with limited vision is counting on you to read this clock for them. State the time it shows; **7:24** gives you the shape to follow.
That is **5:20**
